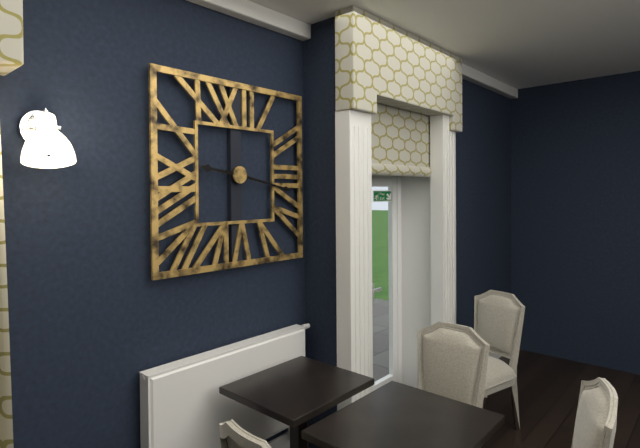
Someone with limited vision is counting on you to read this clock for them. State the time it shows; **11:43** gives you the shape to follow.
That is **9:17**
